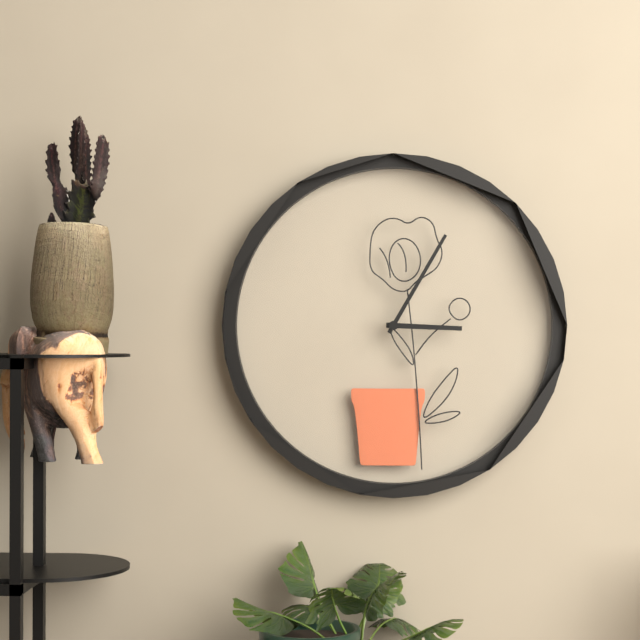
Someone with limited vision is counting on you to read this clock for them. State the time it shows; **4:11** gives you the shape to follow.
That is **3:05**
